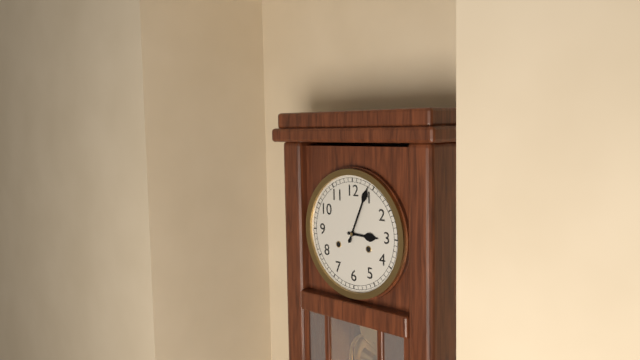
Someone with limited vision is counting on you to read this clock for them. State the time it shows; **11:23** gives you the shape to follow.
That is **3:04**
